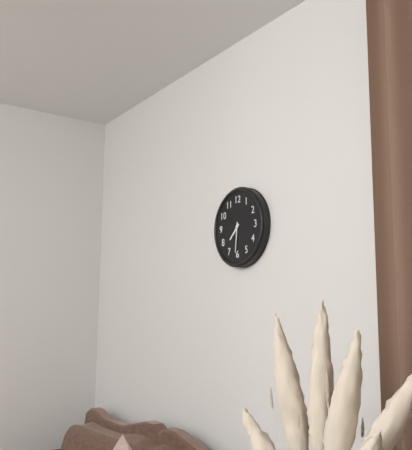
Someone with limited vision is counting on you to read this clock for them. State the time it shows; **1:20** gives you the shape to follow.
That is **7:31**
